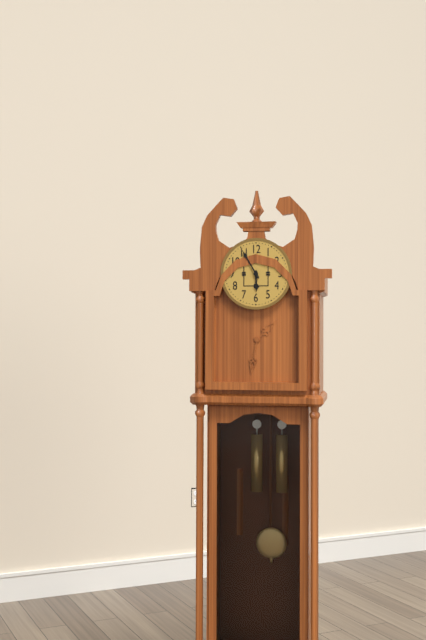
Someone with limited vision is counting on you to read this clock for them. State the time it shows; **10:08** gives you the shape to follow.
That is **5:55**
